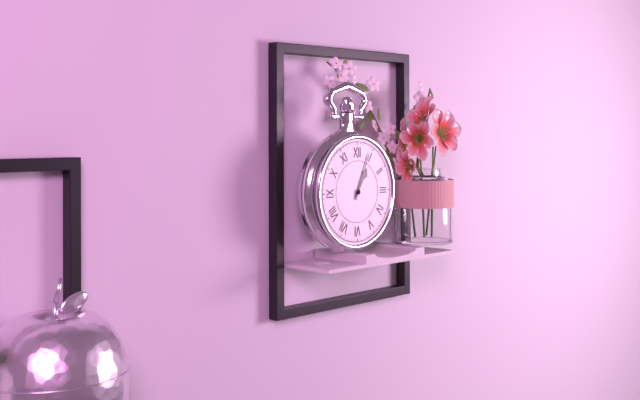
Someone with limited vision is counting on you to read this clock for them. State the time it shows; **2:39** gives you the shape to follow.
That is **1:04**
